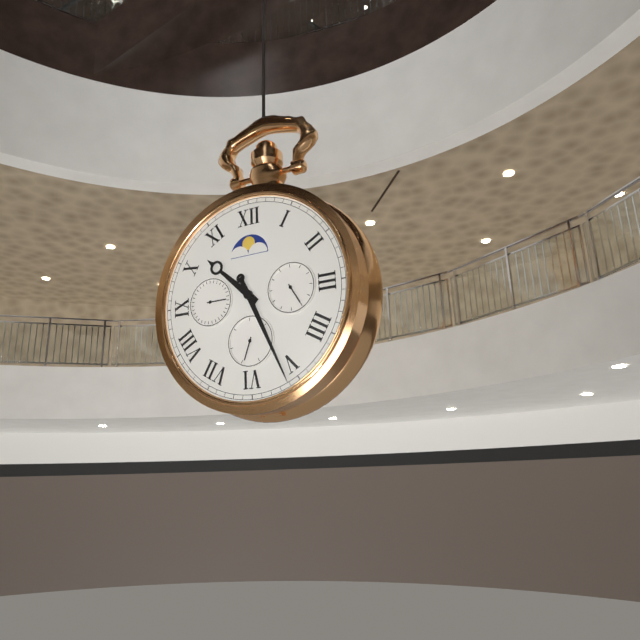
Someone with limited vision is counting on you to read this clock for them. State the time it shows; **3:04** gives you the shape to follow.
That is **10:26**
